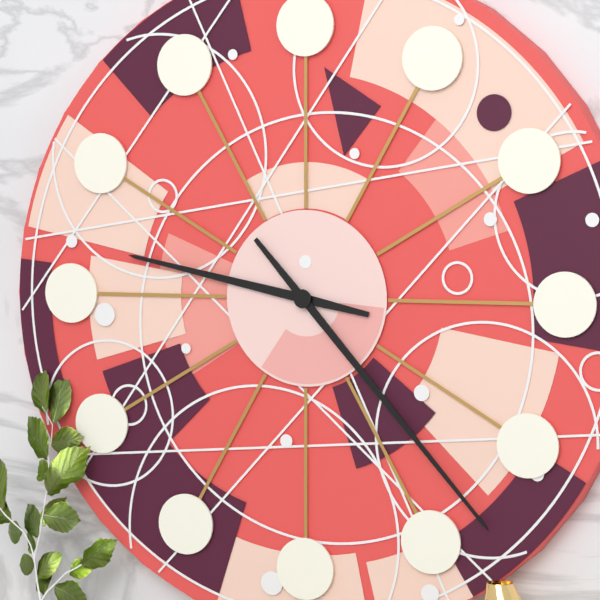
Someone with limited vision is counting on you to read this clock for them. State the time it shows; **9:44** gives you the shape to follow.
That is **9:23**
